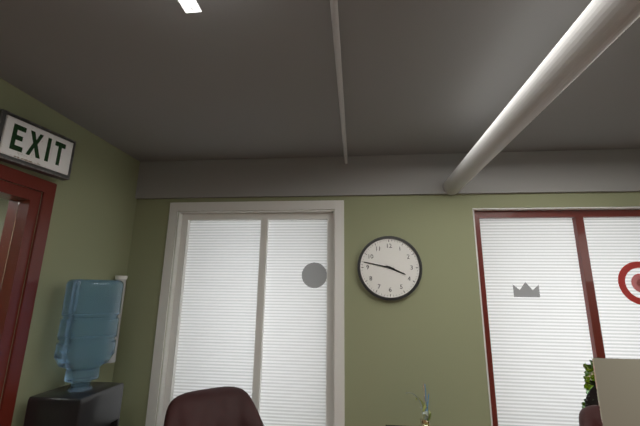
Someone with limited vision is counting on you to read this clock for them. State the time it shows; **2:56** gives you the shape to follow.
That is **3:47**
